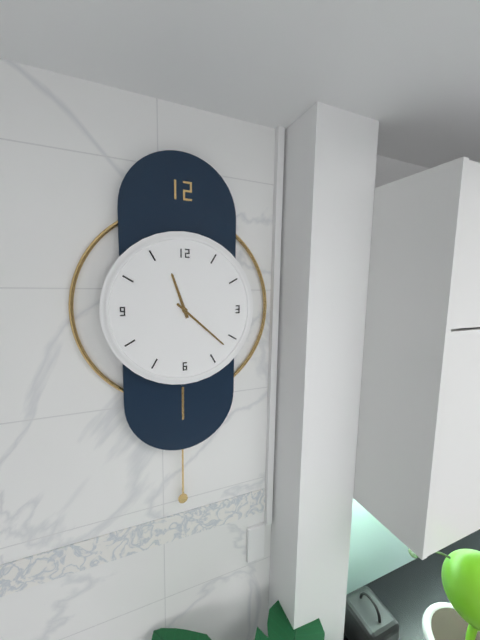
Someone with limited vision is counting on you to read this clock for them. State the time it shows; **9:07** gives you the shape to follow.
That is **11:22**
